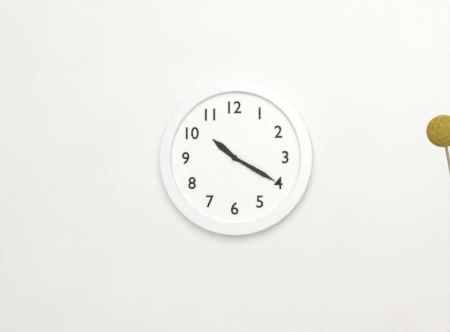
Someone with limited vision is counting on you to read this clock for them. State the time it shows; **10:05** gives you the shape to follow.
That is **10:20**
